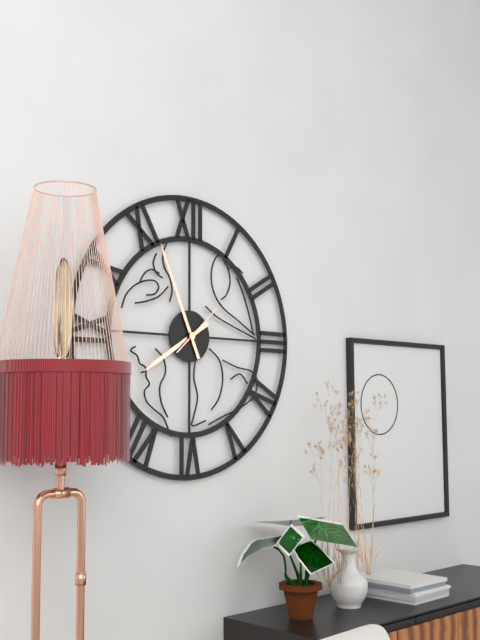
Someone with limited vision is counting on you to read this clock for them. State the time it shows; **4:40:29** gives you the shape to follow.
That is **7:56:08**
